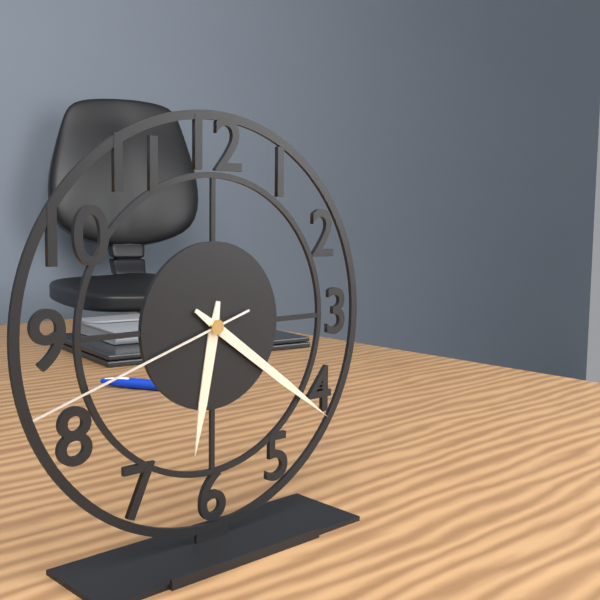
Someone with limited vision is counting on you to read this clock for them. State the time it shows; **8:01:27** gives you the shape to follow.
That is **6:21:42**
